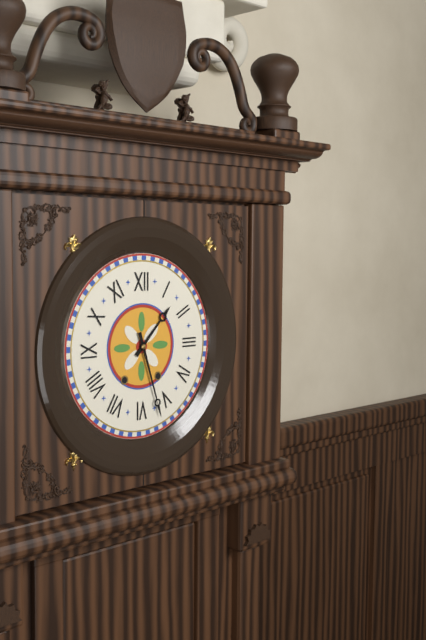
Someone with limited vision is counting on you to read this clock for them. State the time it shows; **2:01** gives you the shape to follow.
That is **1:27**
